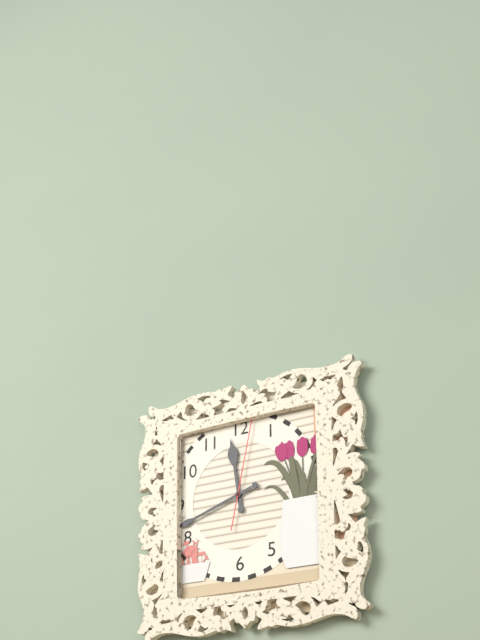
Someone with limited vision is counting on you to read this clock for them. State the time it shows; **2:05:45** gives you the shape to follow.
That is **11:42:02**
